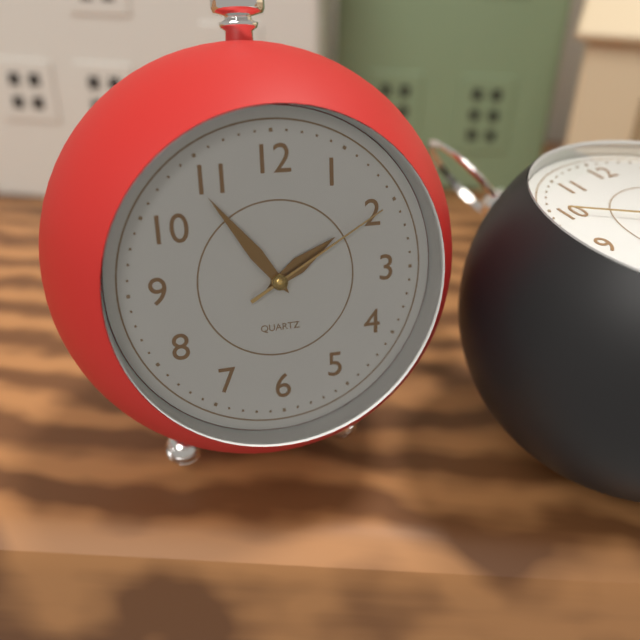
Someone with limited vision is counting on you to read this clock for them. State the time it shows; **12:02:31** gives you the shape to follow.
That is **1:54:10**
